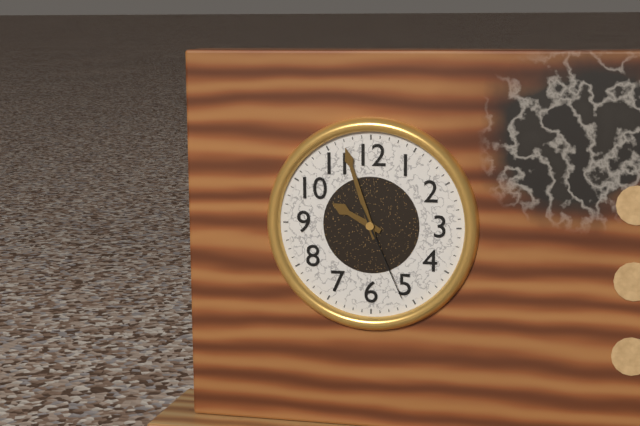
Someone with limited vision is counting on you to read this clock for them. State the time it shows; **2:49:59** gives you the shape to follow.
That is **9:57:26**
